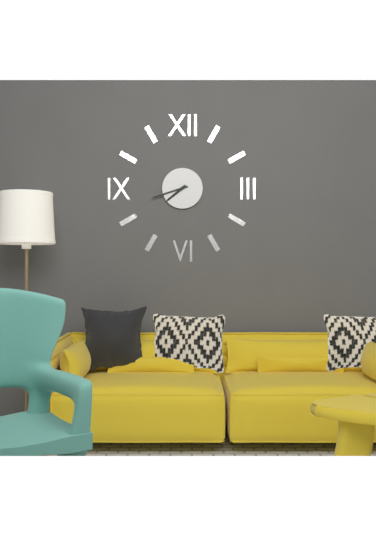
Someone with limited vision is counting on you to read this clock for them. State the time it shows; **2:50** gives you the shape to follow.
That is **7:42**
